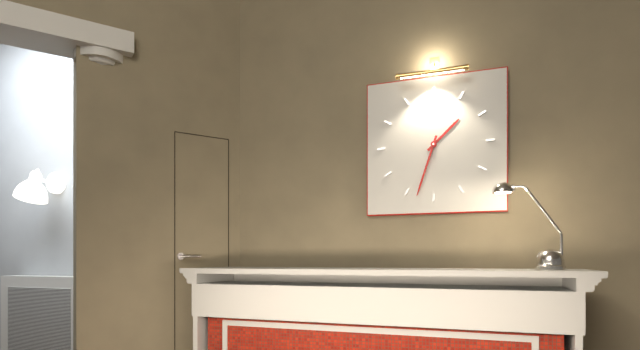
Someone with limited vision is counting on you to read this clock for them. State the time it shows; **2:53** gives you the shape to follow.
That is **1:33**
